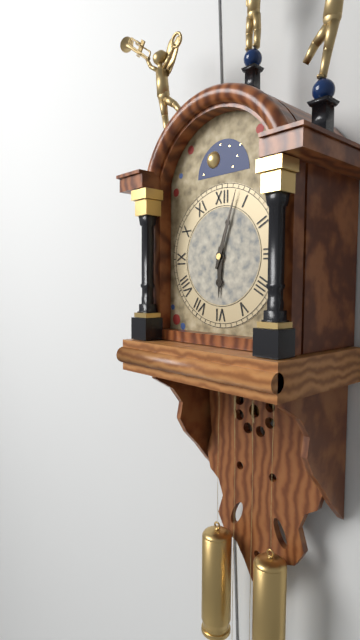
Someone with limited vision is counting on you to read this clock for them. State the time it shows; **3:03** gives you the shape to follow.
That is **6:03**
